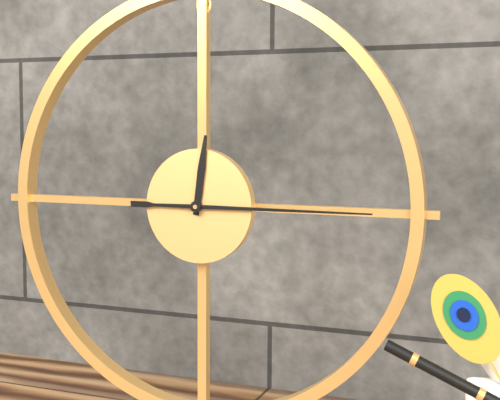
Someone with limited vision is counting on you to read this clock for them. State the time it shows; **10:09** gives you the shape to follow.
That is **12:15**
